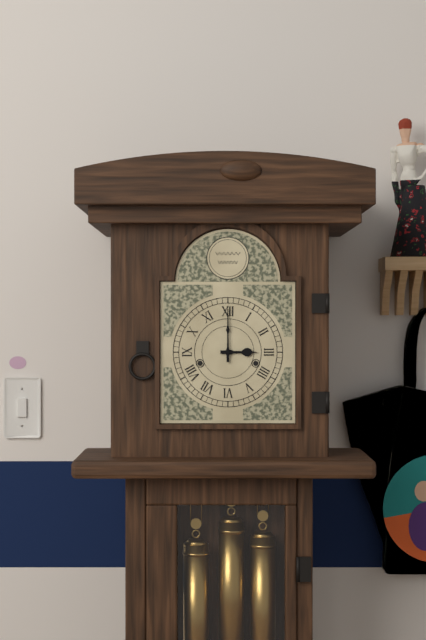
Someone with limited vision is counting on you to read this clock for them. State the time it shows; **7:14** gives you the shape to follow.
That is **3:00**
